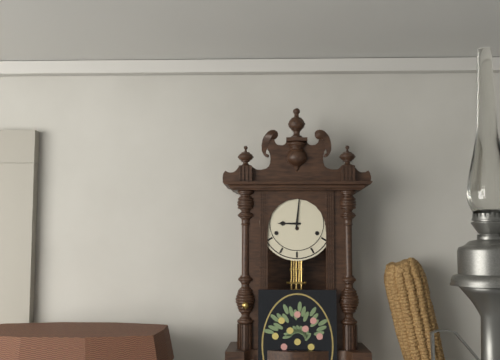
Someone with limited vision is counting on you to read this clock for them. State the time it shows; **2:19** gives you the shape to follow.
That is **9:01**
